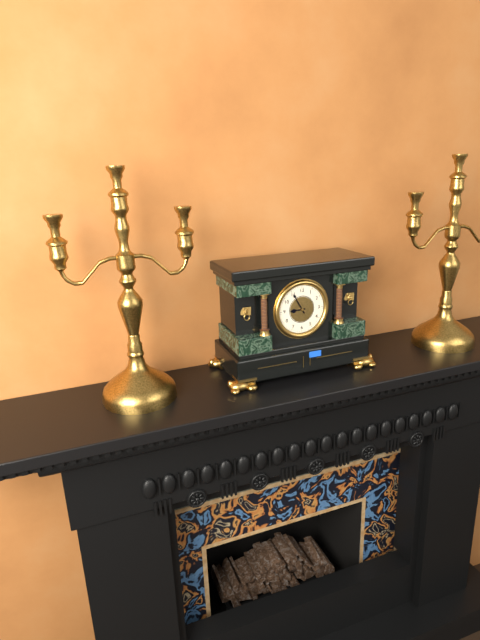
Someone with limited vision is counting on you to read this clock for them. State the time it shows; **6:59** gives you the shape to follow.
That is **8:55**
